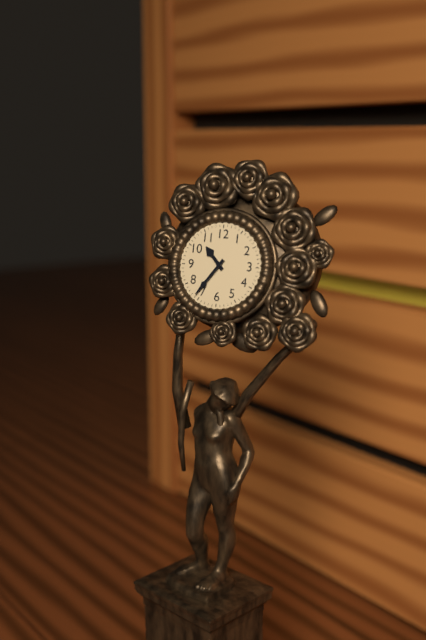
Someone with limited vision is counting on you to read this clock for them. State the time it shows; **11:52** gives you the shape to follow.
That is **10:36**
